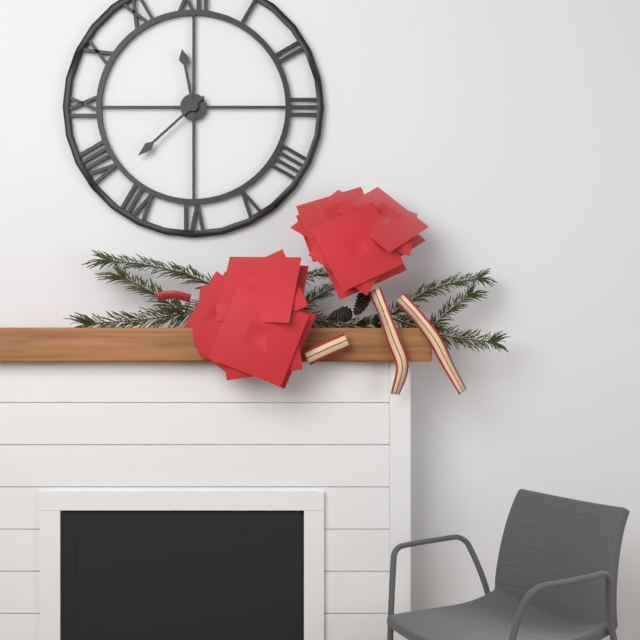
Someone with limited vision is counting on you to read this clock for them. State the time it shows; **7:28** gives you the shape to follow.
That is **11:38**
